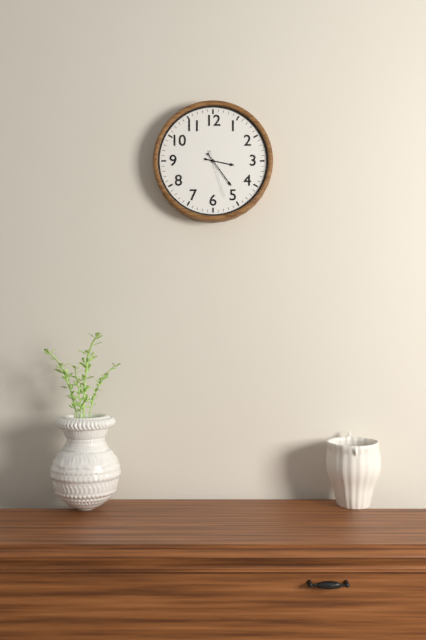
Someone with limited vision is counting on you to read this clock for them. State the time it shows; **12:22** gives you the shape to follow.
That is **3:24**
